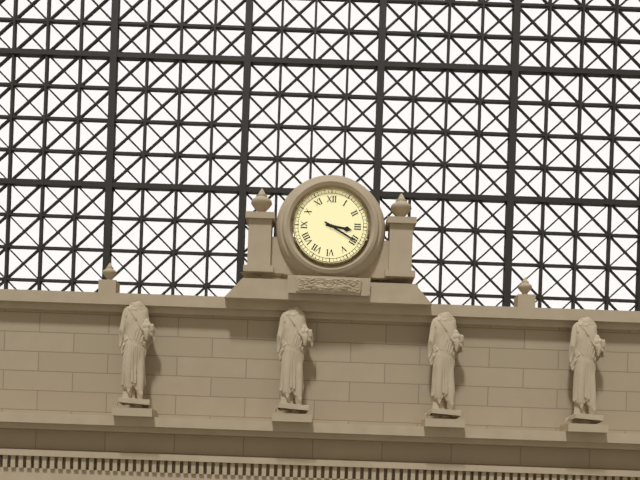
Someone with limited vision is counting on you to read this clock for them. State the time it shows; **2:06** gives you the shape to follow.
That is **3:20**
